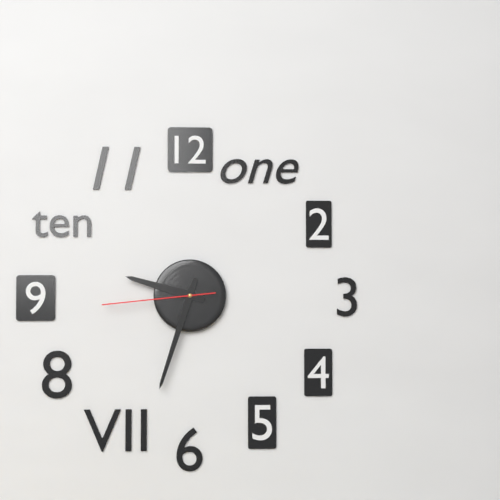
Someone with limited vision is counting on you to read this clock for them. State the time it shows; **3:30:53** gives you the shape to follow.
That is **9:33:44**
